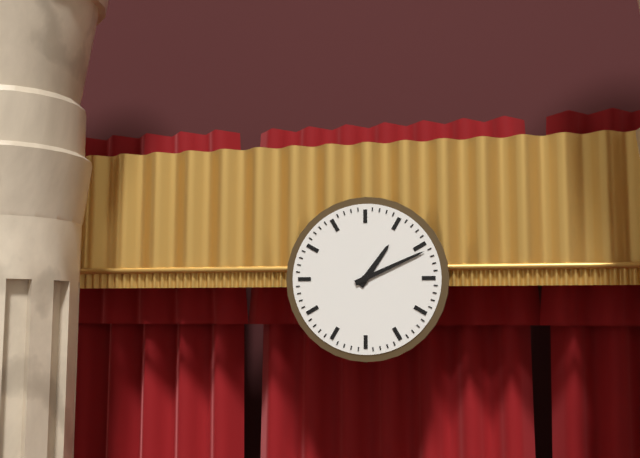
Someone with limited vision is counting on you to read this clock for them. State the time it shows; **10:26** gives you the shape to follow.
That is **1:11**
